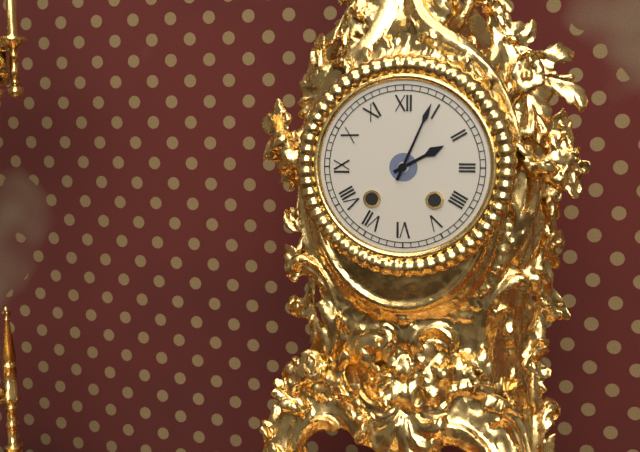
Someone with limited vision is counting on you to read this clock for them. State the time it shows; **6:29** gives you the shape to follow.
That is **2:04**
